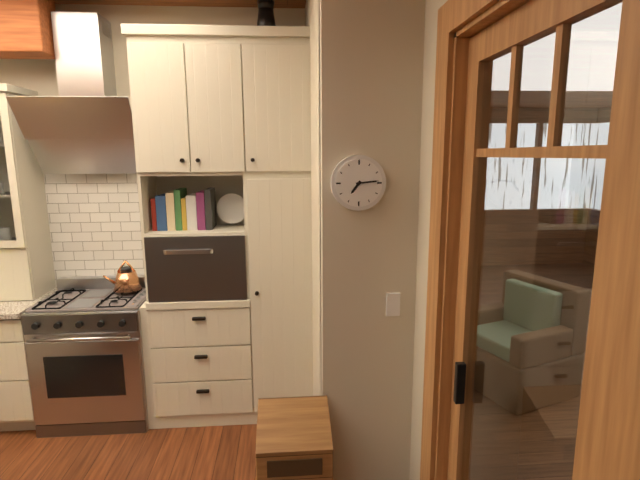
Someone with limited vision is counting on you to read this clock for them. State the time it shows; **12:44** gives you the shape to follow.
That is **7:14**
